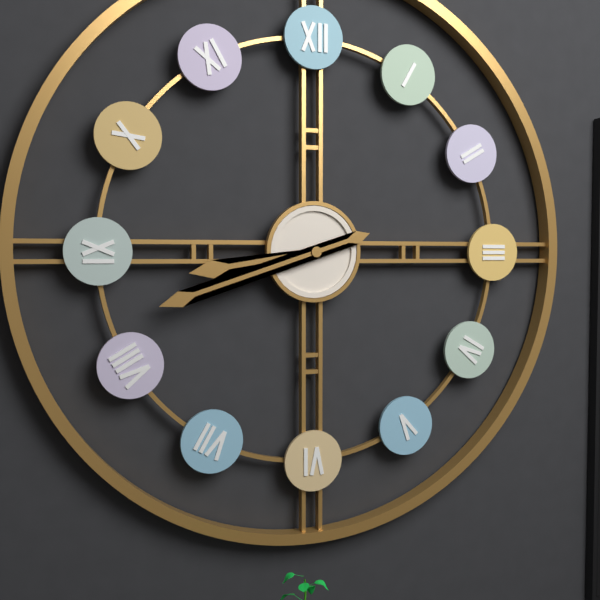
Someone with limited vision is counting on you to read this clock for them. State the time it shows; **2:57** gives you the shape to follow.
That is **8:42**
